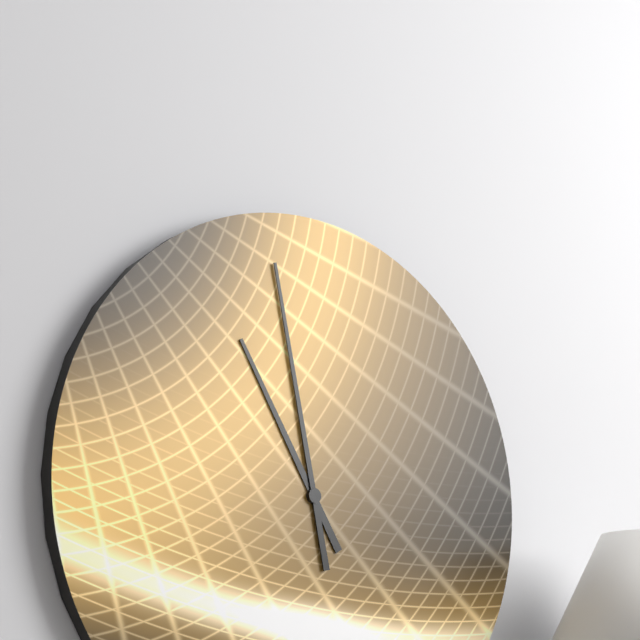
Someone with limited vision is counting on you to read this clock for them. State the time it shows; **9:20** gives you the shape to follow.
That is **10:58**
